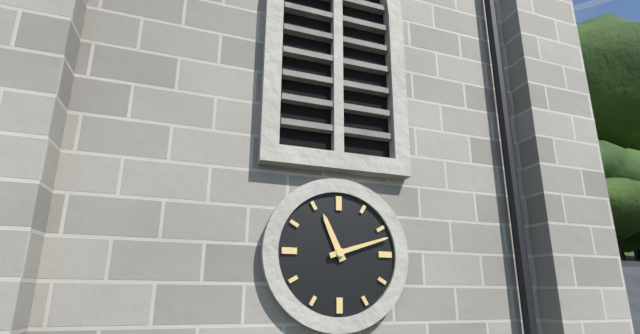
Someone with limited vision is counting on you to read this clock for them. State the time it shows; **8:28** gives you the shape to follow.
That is **11:12**
